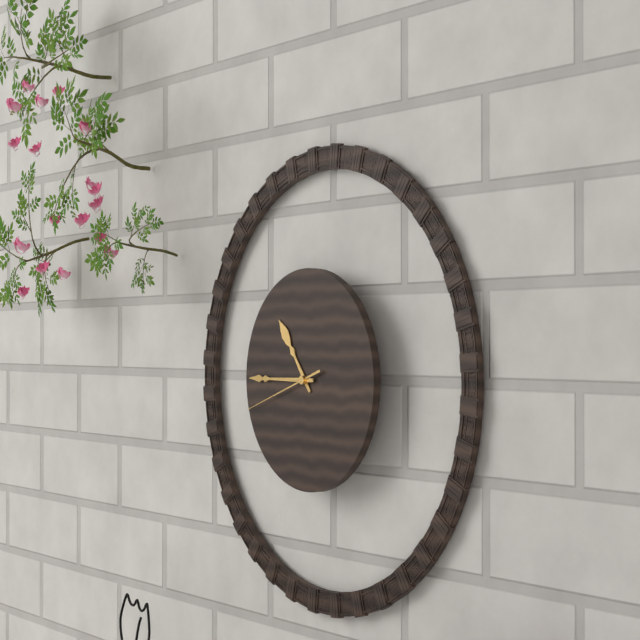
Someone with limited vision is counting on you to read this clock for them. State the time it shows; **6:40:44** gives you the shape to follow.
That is **10:45:42**
